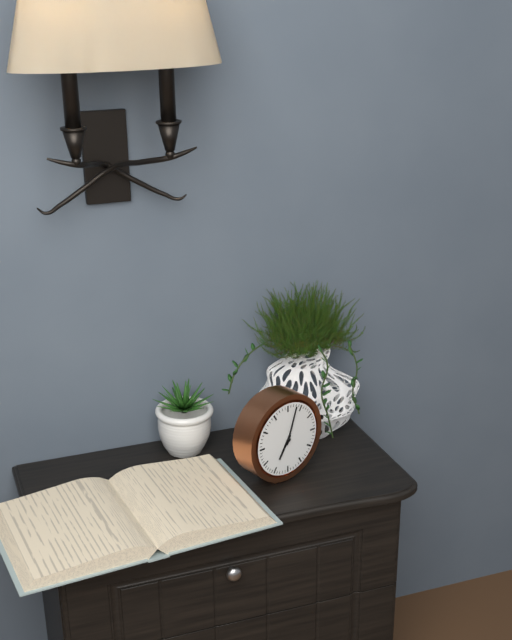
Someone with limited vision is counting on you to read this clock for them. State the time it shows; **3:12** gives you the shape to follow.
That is **7:03**
